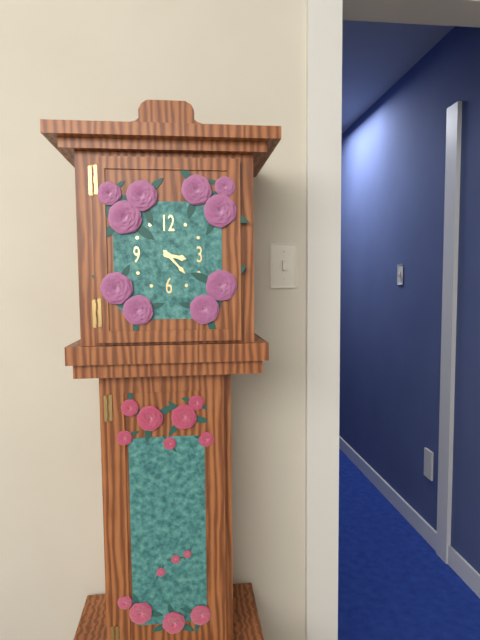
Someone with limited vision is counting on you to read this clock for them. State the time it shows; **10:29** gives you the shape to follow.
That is **3:23**
